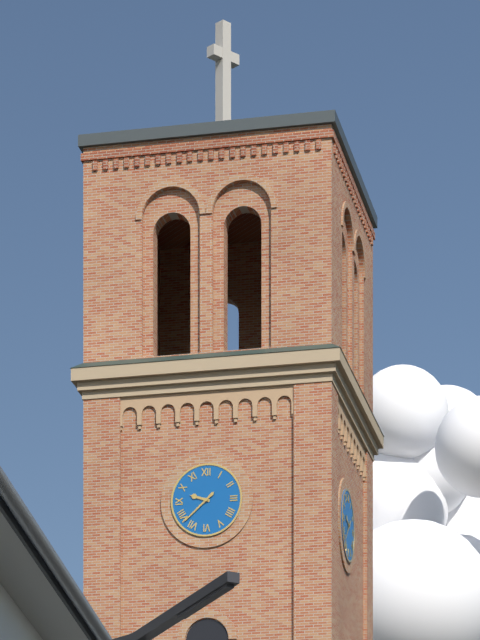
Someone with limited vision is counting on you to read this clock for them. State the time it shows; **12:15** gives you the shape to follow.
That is **9:38**
